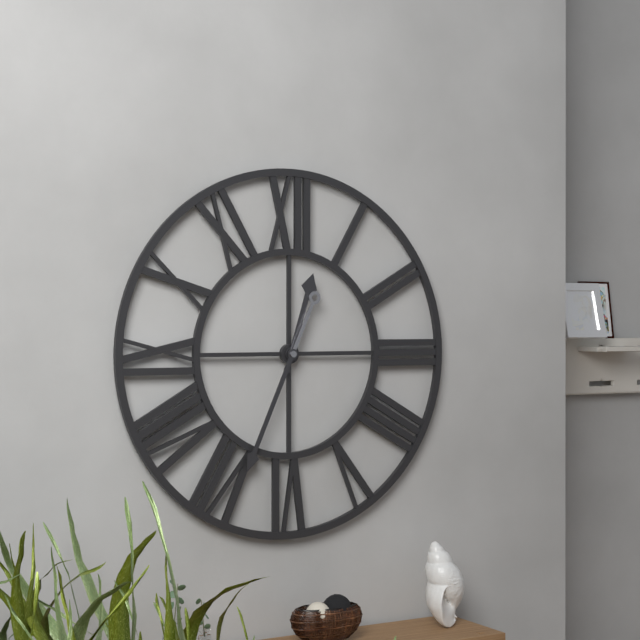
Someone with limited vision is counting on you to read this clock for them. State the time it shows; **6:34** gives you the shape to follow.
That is **12:34**
